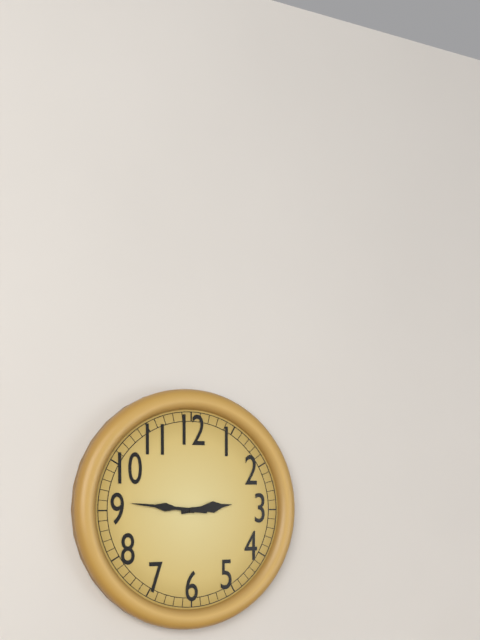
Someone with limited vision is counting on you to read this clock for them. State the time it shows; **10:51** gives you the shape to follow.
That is **2:46**
